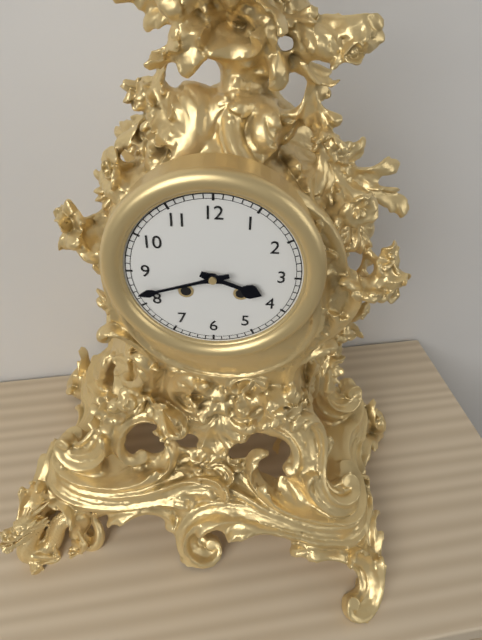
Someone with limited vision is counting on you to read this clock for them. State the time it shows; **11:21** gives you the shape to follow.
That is **3:42**
